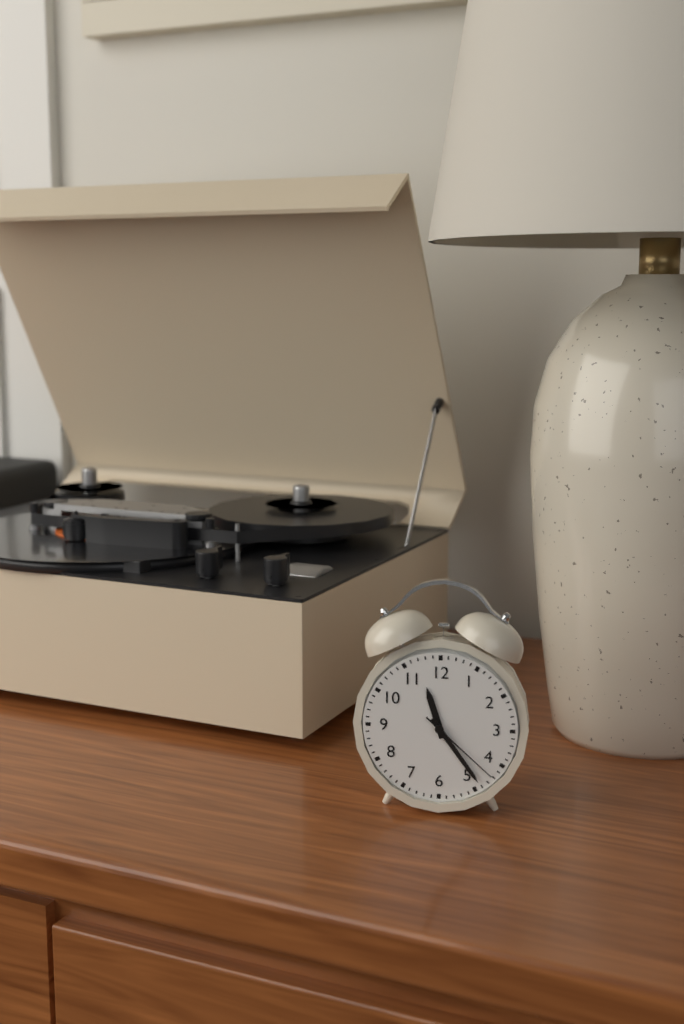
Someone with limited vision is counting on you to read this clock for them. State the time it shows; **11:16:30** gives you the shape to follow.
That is **11:24:22**
